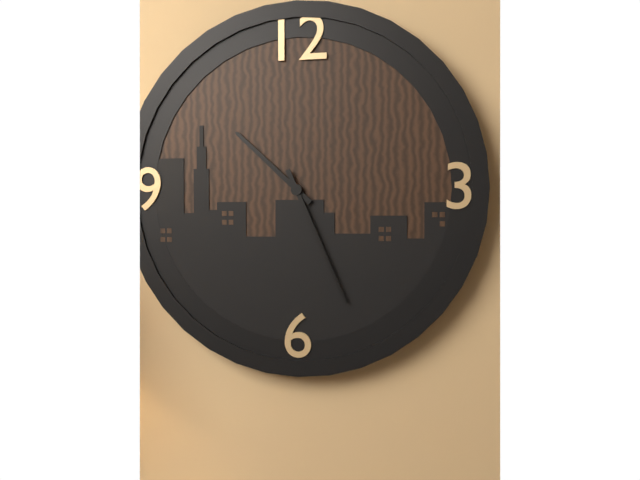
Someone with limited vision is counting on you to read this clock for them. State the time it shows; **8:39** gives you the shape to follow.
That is **10:26**
